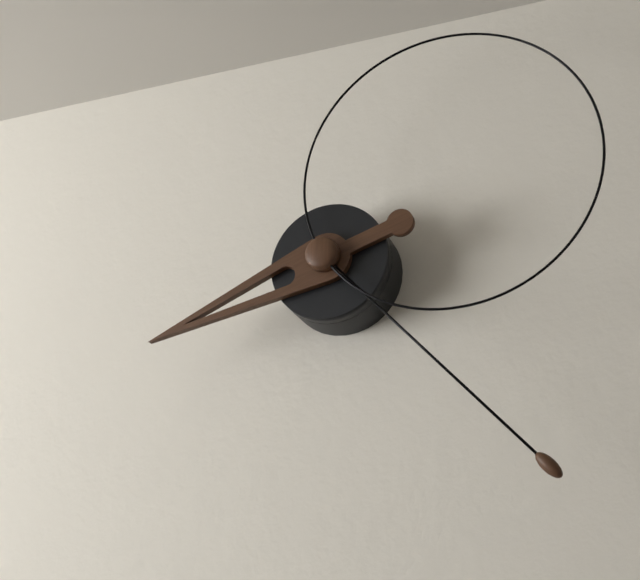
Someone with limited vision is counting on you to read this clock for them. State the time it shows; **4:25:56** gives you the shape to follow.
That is **8:23:10**
